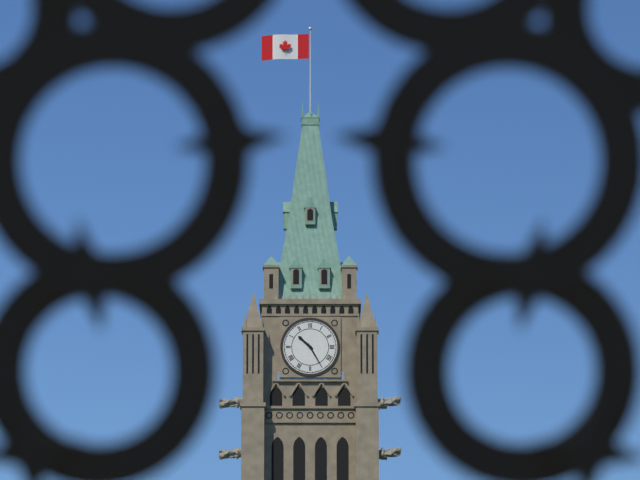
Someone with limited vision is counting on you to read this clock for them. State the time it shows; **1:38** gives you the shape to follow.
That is **10:25**
